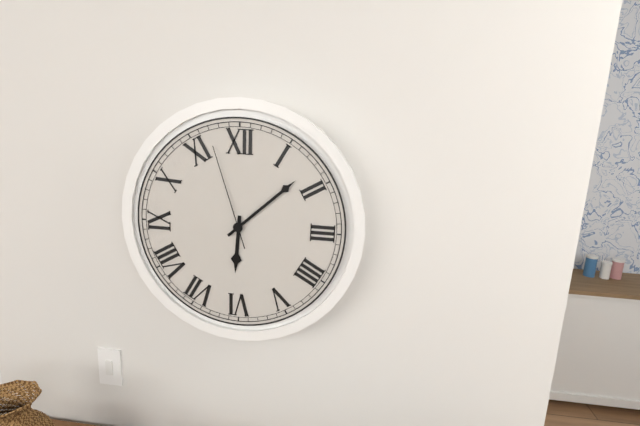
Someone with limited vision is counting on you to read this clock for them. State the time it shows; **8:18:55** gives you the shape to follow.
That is **6:08:57**
